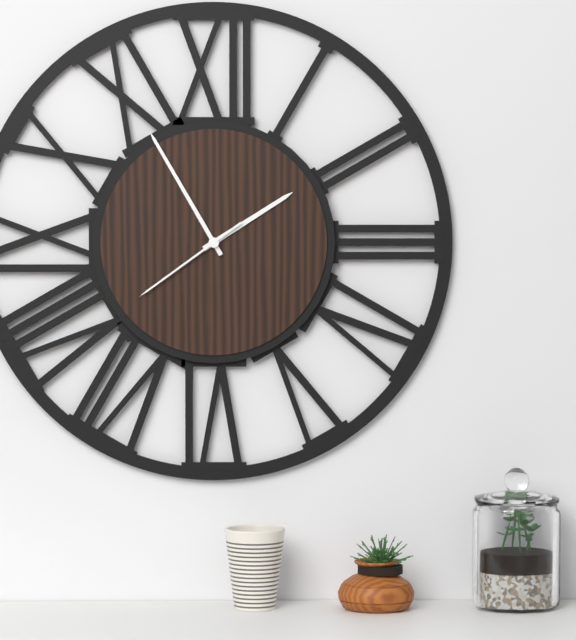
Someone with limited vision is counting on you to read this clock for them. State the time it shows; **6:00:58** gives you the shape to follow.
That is **1:55:39**
